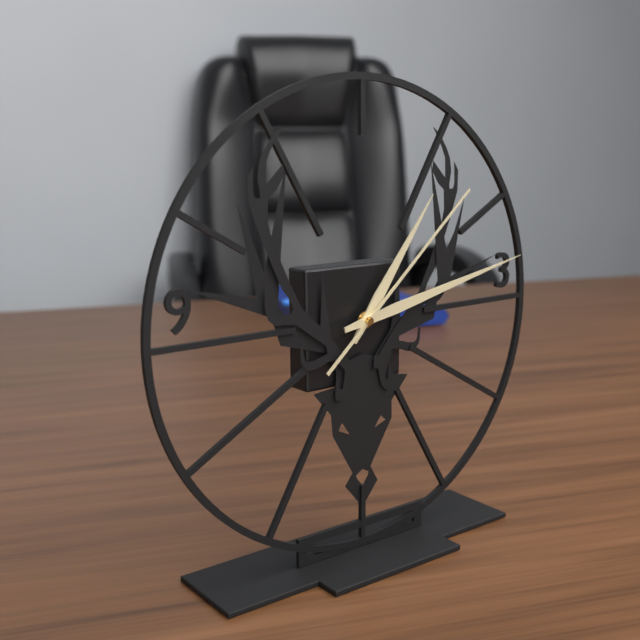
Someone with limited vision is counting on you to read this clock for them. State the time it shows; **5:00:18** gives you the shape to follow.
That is **1:13:08**
